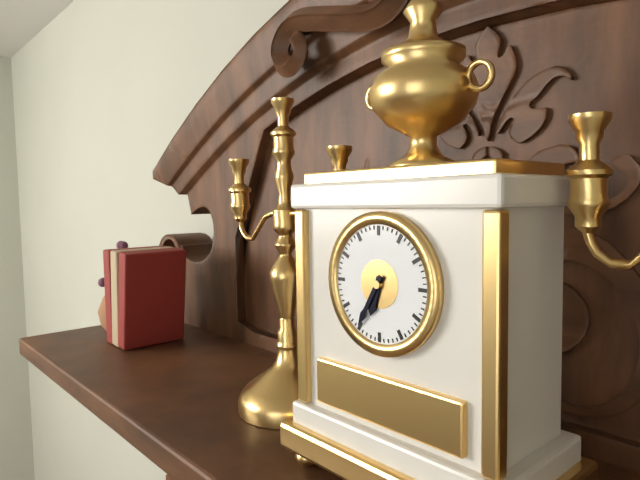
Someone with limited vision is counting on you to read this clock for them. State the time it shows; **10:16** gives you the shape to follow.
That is **6:35**
